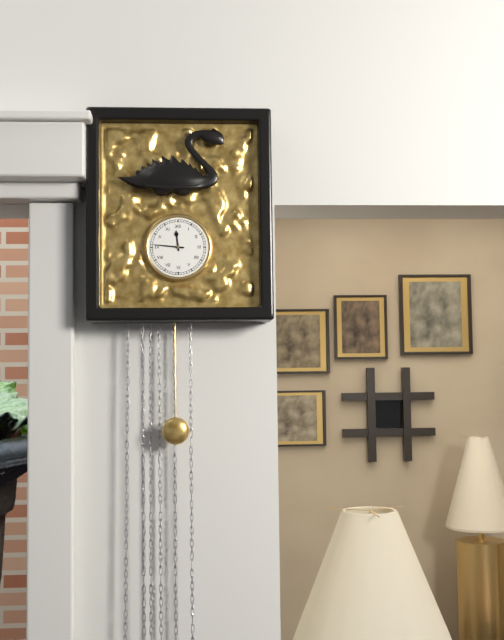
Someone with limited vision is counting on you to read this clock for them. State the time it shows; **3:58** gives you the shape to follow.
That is **11:46**
